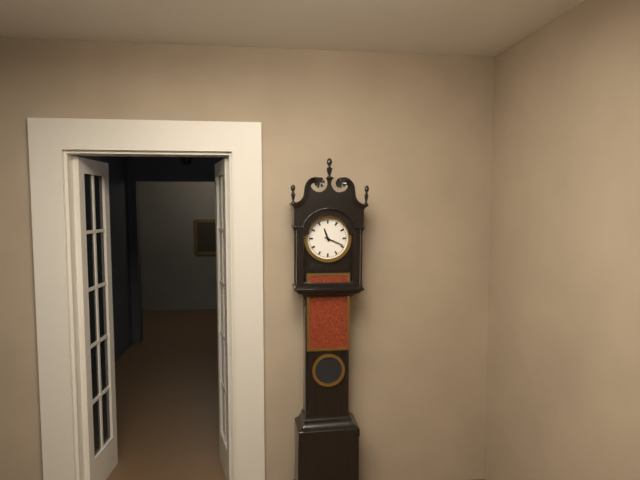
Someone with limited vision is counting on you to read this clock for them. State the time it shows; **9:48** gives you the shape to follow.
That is **11:19**
